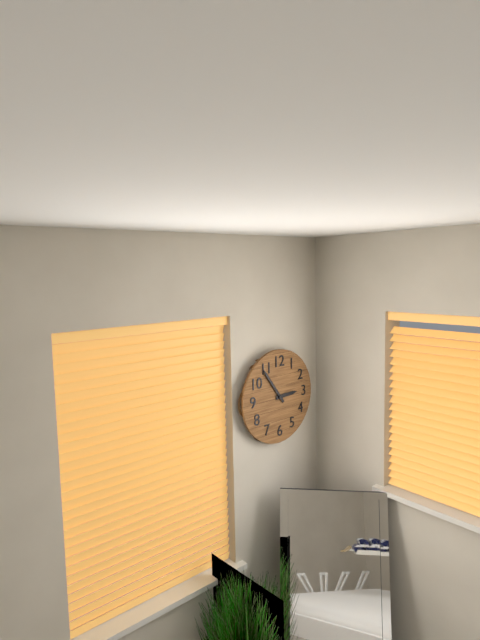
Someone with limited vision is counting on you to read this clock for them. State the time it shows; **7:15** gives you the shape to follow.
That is **2:54**
